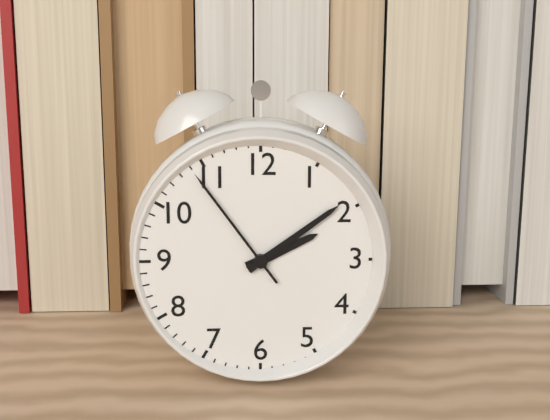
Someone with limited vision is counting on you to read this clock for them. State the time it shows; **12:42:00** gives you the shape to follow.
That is **2:09:54**
